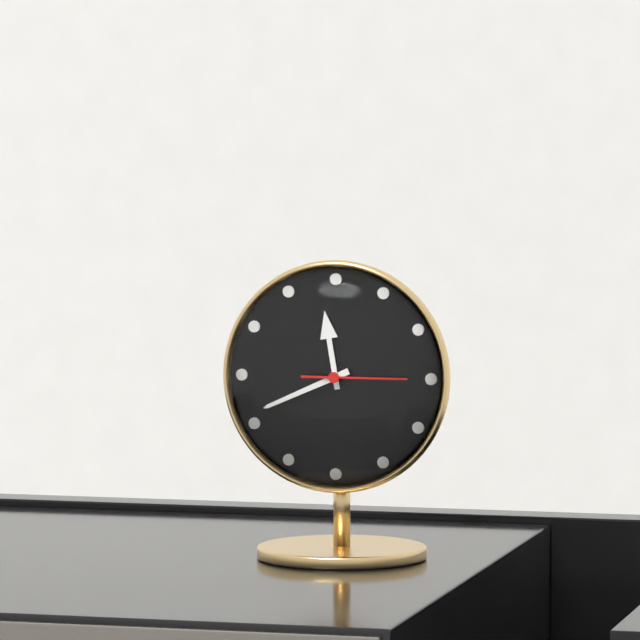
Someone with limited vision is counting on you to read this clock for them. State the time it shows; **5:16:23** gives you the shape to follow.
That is **11:41:15**
